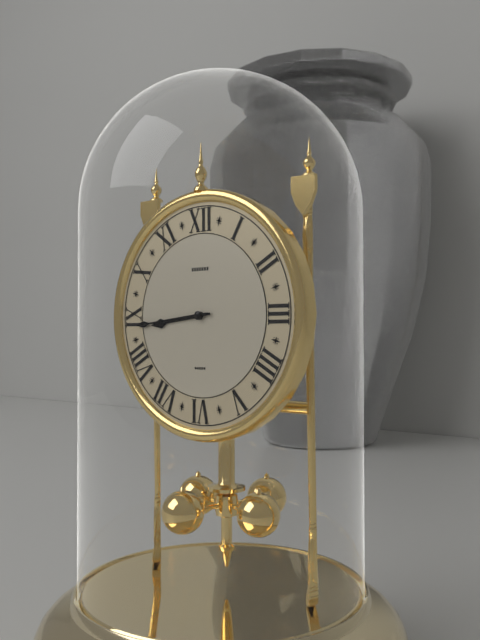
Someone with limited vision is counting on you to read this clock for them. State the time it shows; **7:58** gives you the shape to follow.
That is **8:44**
